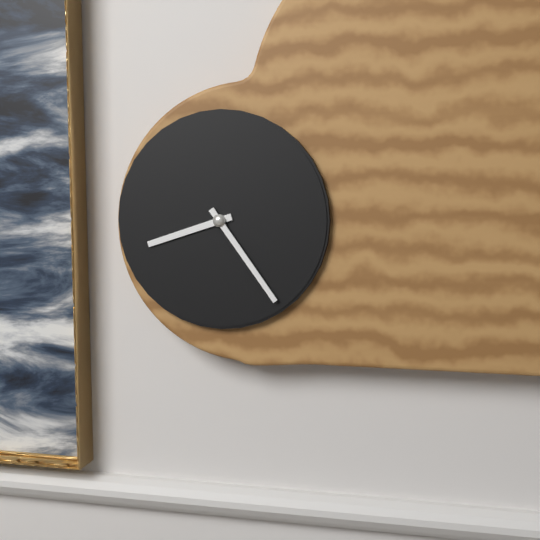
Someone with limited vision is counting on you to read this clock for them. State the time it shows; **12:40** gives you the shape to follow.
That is **8:24**
